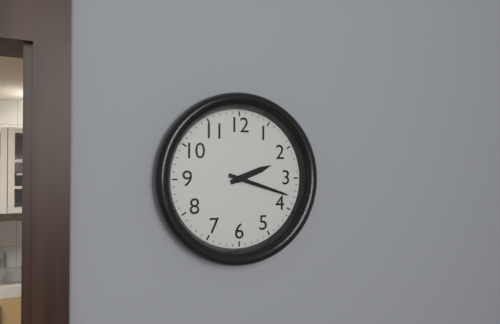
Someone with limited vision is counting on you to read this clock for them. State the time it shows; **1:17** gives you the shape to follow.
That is **2:18**
